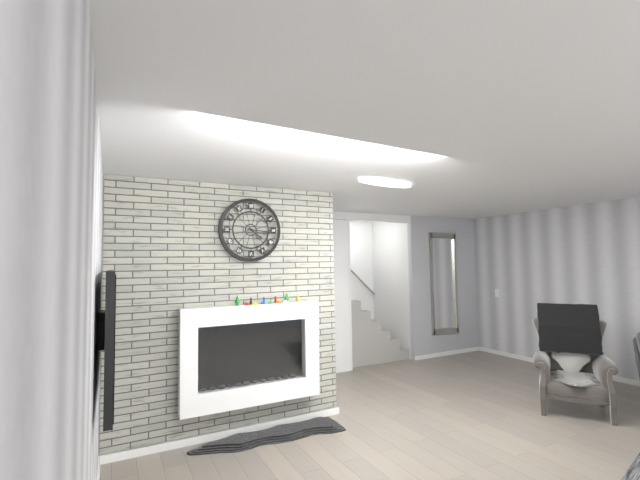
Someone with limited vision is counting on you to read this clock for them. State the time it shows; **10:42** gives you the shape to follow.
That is **4:16**
